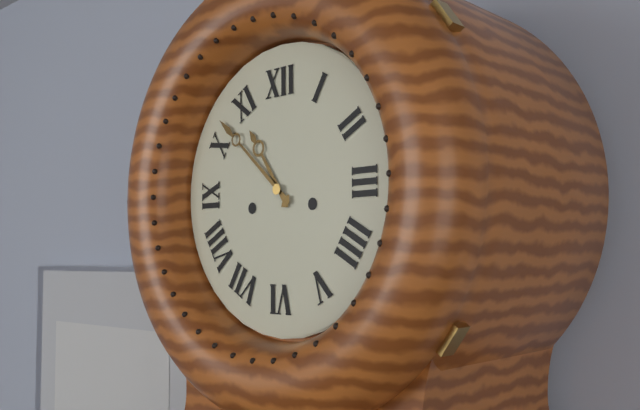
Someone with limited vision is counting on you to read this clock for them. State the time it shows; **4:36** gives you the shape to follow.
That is **10:52**
